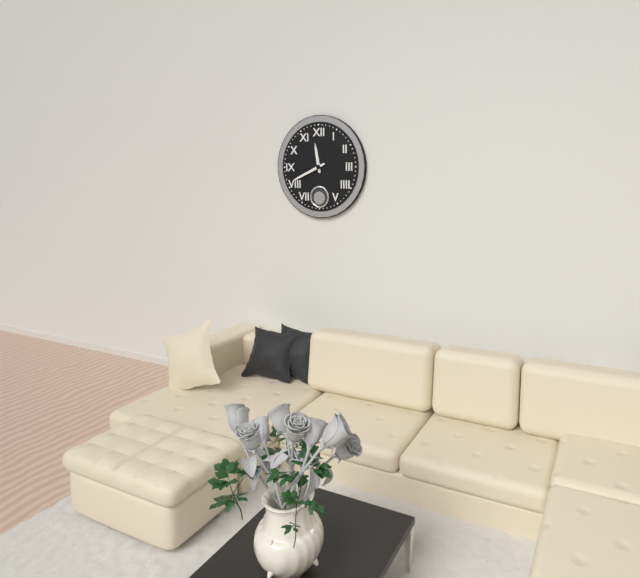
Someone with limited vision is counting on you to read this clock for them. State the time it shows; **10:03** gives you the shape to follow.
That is **11:41**
